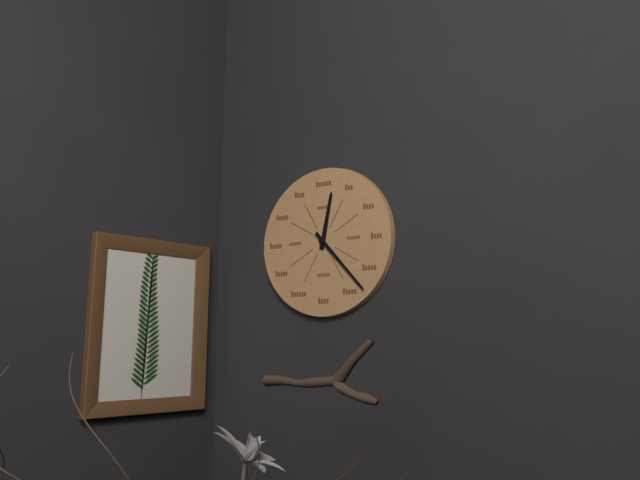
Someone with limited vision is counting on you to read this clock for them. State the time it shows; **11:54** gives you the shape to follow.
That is **12:23**
